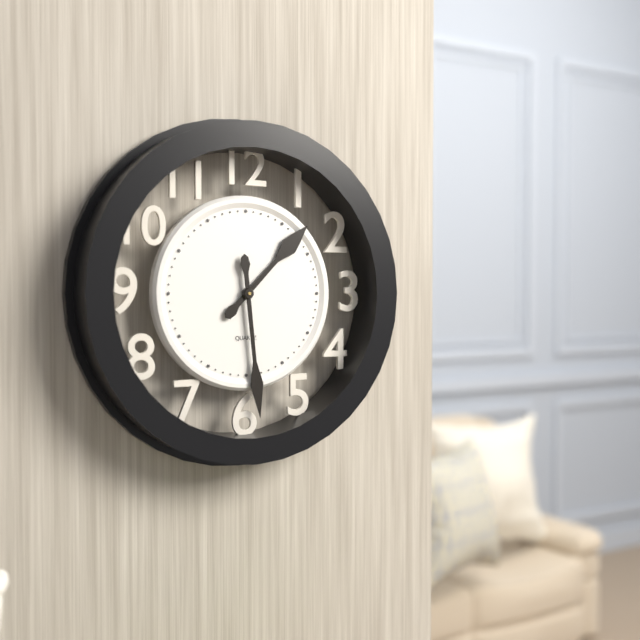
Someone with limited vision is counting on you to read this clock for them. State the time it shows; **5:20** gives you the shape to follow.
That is **1:29**
